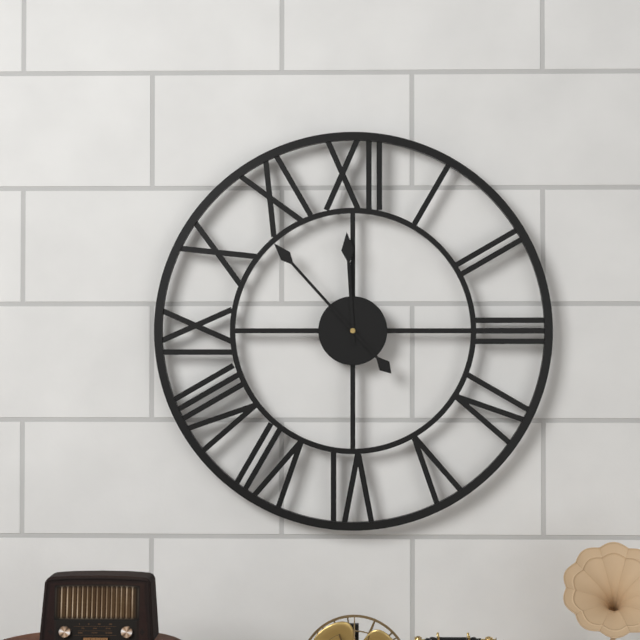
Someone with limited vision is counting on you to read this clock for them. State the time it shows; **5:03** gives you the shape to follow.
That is **11:53**
